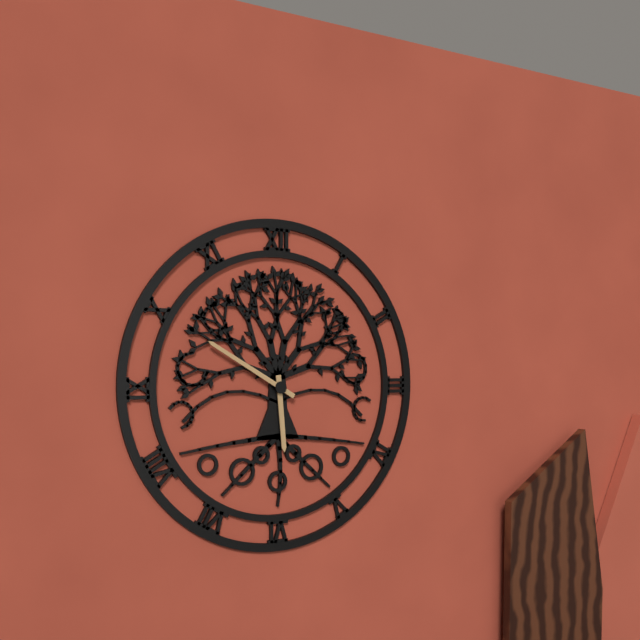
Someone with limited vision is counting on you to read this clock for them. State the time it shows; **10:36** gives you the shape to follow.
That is **5:50**
